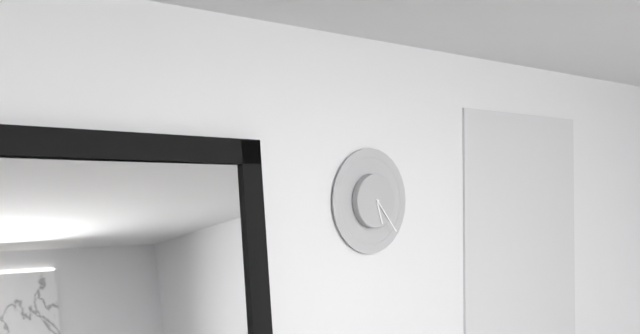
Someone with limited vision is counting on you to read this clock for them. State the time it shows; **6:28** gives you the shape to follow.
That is **5:23**
